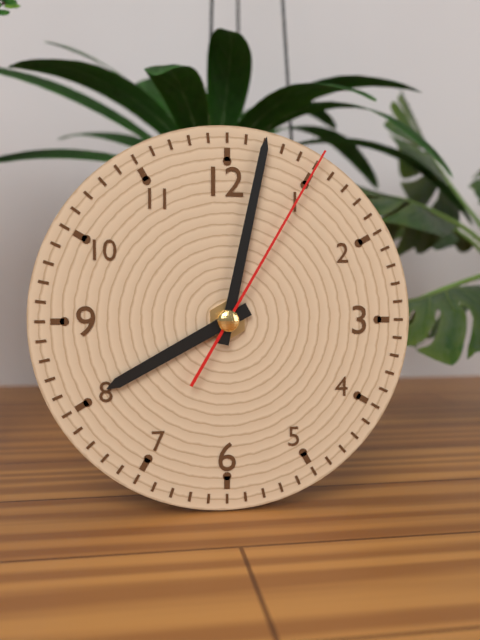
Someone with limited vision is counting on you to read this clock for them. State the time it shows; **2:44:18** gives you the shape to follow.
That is **8:02:05**
